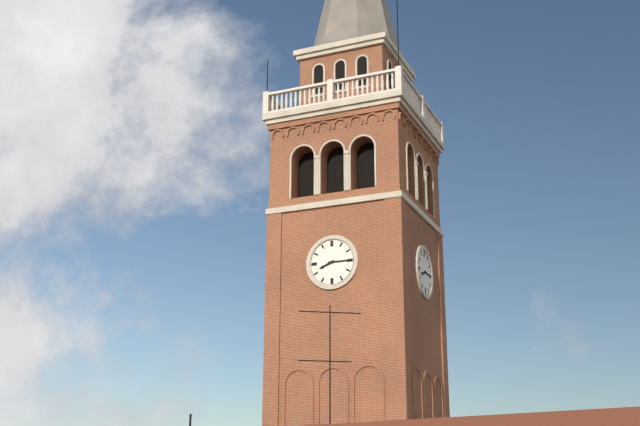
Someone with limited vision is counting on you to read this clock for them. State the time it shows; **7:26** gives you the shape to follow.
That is **8:15**
